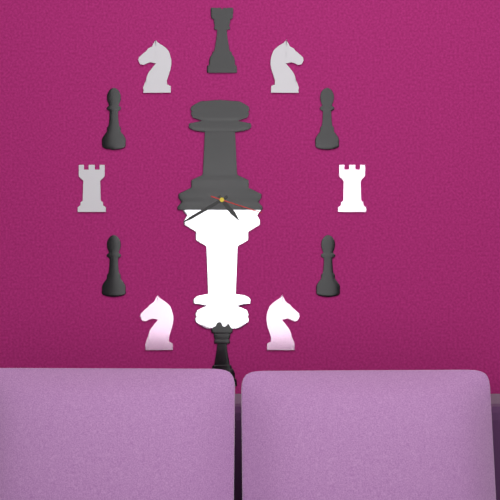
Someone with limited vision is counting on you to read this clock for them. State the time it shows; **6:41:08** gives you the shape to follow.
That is **4:40:18**
